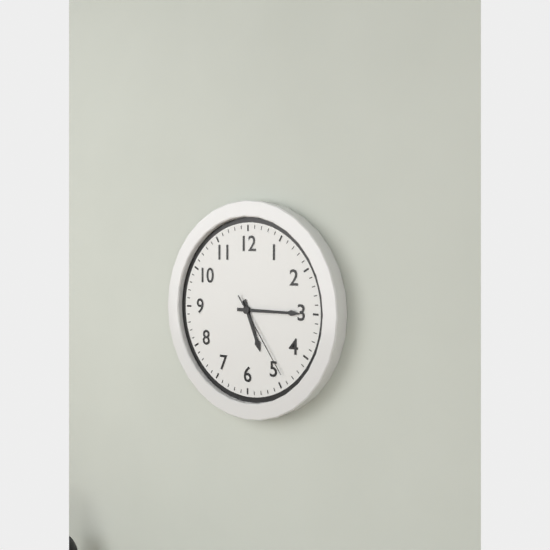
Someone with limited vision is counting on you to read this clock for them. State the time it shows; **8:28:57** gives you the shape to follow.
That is **5:15:24**
